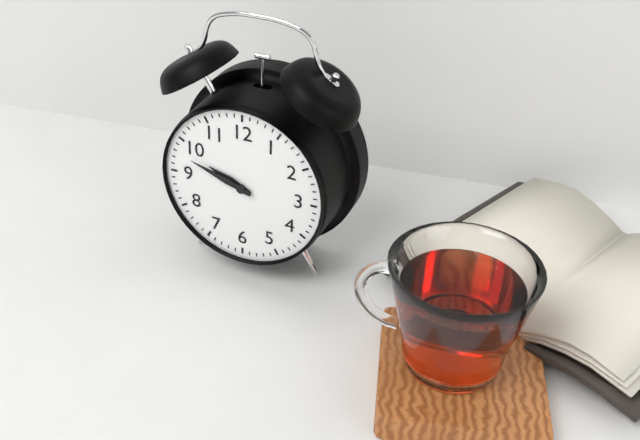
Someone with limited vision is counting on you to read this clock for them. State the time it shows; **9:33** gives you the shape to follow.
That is **9:48**
